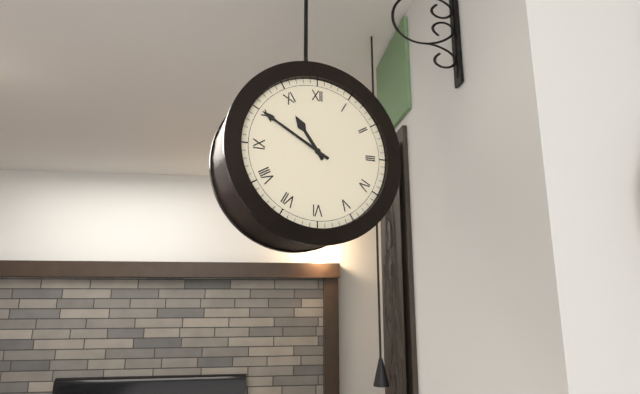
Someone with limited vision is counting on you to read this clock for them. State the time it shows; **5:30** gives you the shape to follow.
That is **10:50**
